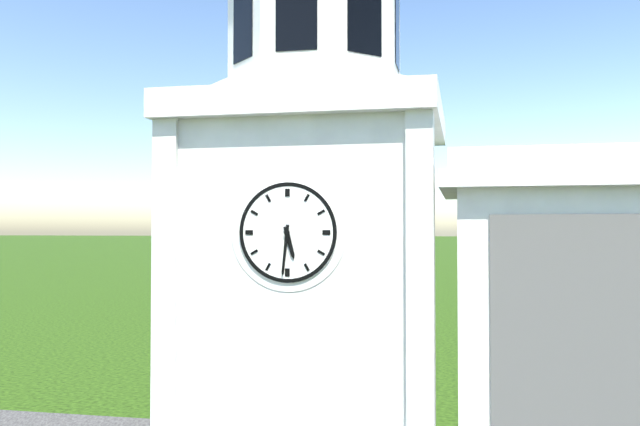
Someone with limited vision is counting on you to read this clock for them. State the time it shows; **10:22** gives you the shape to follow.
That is **5:31**
